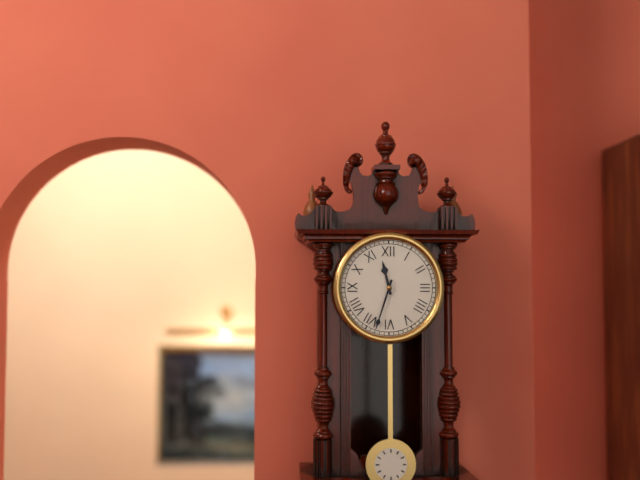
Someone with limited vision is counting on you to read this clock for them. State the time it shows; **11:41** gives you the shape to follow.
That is **11:33**
